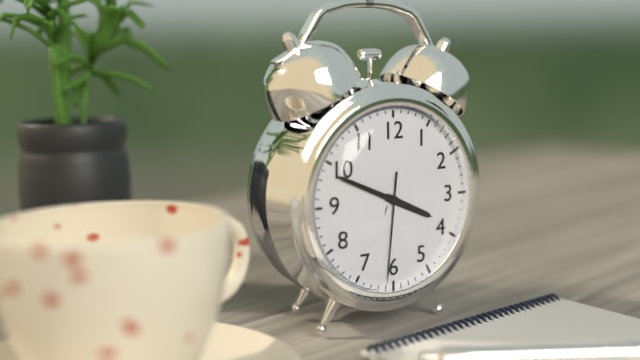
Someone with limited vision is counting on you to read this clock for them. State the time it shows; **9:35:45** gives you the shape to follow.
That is **3:49:31**
